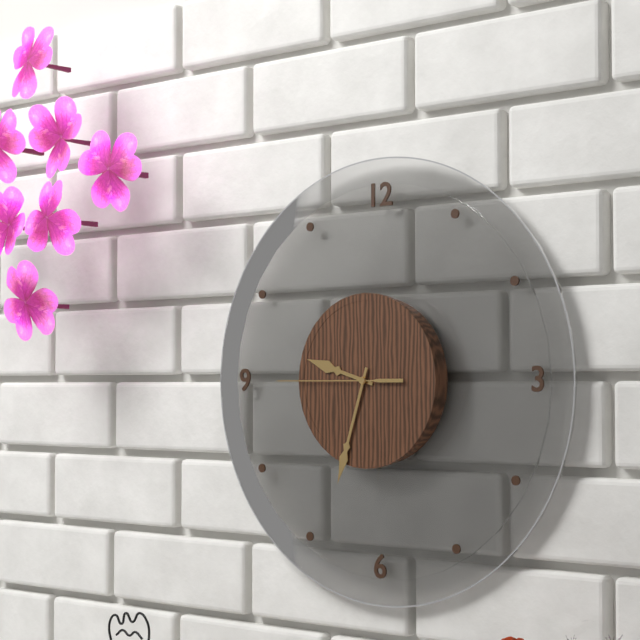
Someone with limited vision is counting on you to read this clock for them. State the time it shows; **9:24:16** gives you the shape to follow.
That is **9:33:45**
